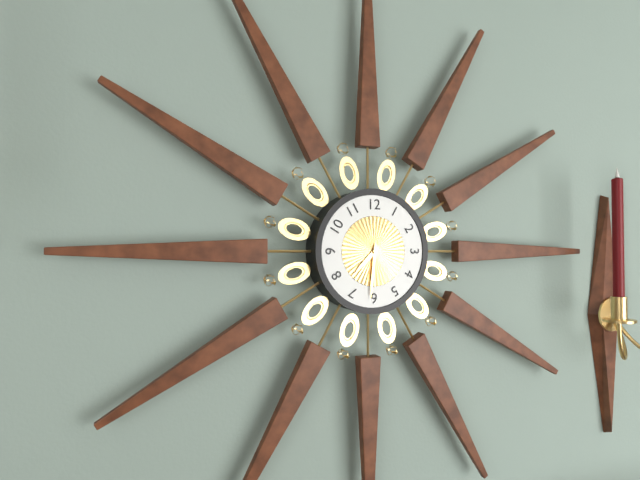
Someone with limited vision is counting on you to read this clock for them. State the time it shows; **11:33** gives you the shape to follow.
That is **7:31**
